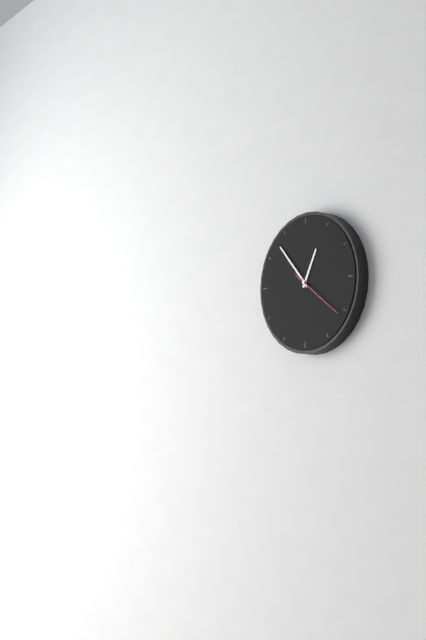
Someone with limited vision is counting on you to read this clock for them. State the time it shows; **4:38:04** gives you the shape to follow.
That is **12:53:21**
